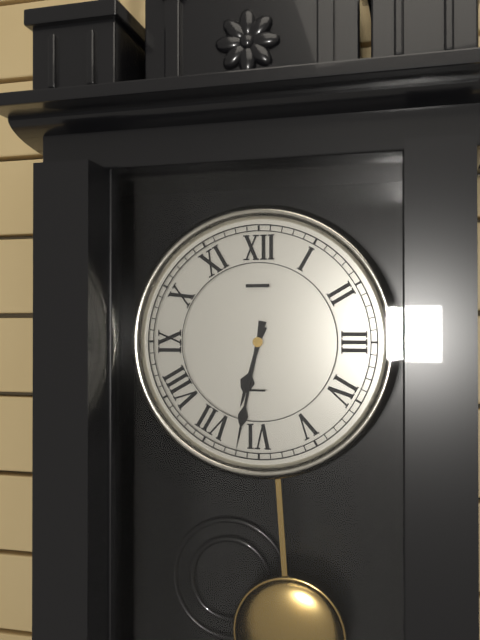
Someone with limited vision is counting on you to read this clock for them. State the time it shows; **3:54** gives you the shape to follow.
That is **6:32**
